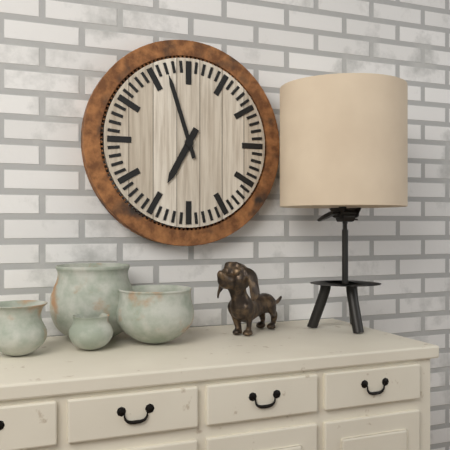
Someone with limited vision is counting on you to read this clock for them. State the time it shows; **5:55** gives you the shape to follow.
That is **6:57**
